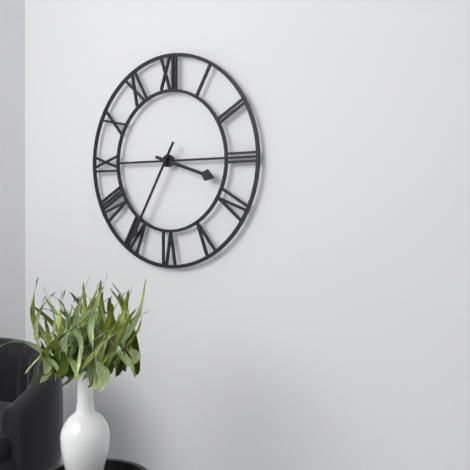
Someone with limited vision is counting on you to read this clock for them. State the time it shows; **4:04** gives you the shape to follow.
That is **3:35**
